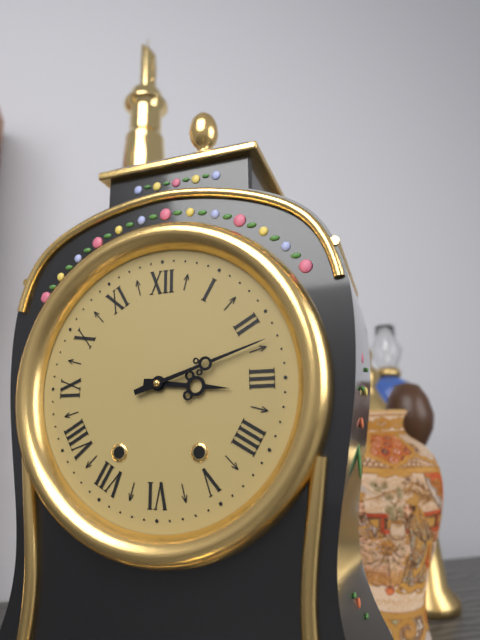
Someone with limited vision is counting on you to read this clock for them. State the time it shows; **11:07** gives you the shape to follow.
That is **3:12**
